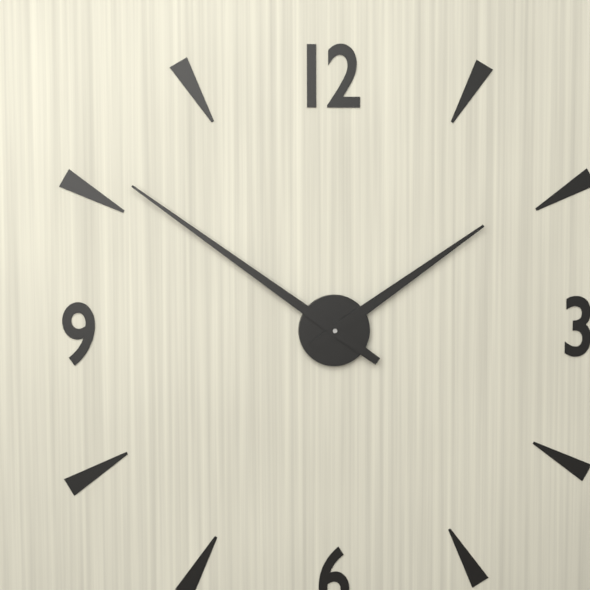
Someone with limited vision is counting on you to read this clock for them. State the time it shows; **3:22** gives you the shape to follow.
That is **1:51**
